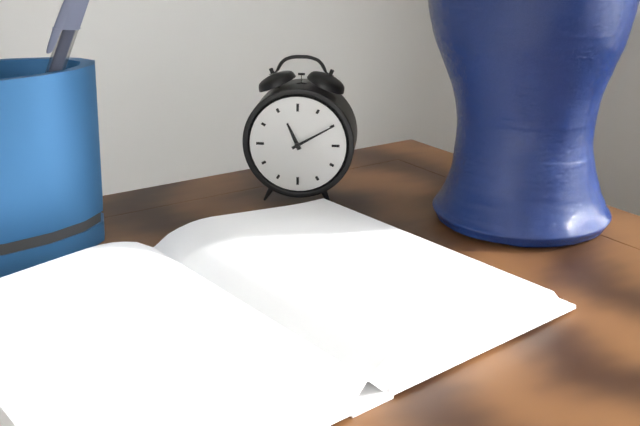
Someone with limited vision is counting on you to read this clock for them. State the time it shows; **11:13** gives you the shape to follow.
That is **11:10**
